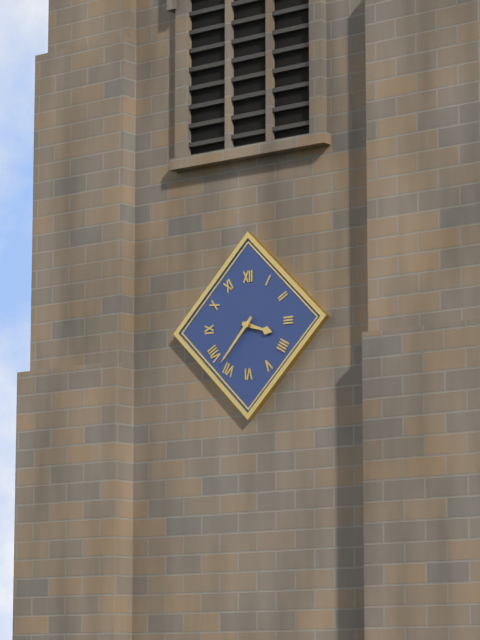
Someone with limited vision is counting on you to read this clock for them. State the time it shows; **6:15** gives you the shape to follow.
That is **3:37**
